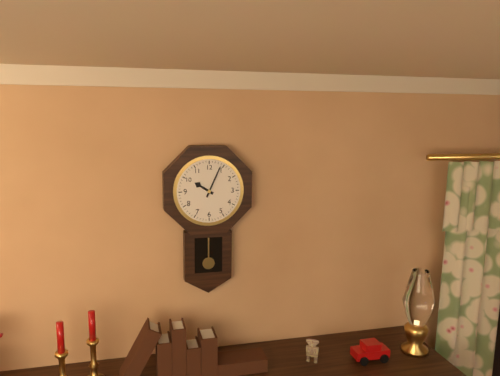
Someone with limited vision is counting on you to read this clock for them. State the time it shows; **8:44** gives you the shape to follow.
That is **10:04**
